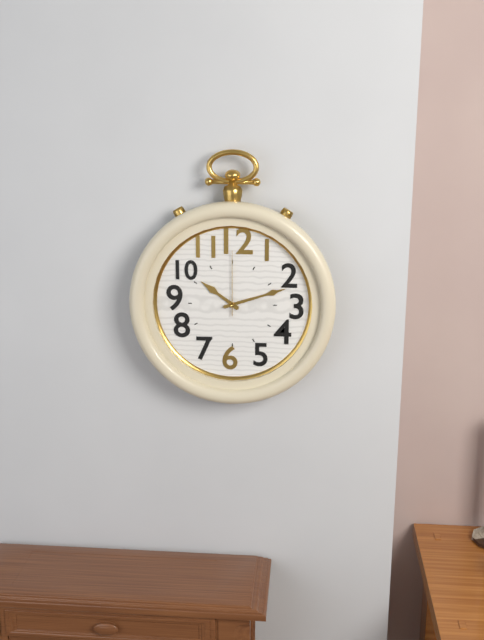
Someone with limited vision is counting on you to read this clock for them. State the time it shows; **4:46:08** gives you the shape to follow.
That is **10:12:00**
